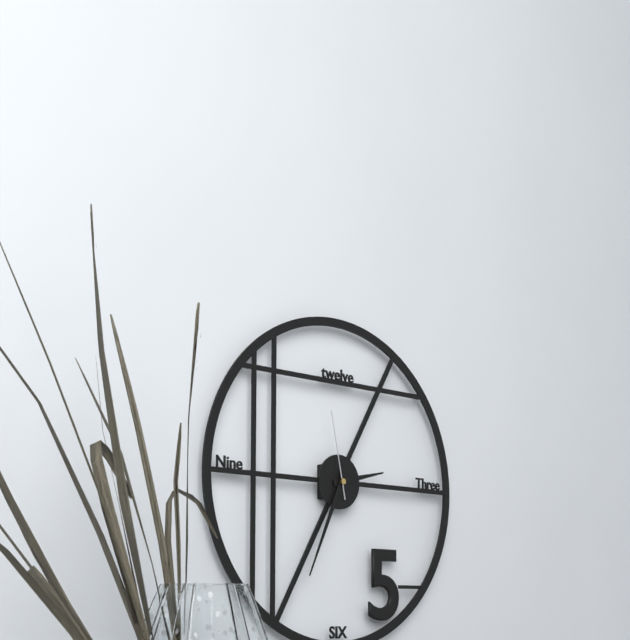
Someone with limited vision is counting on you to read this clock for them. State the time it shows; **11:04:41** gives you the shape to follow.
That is **2:34:58**
